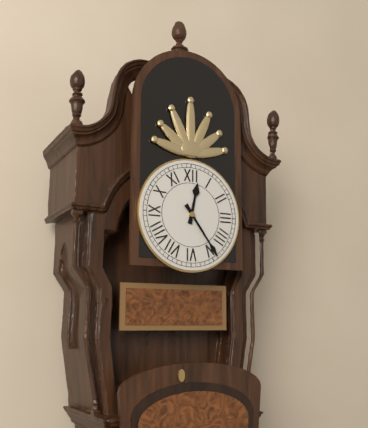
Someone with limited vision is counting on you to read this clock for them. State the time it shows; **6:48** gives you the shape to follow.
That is **12:24**
